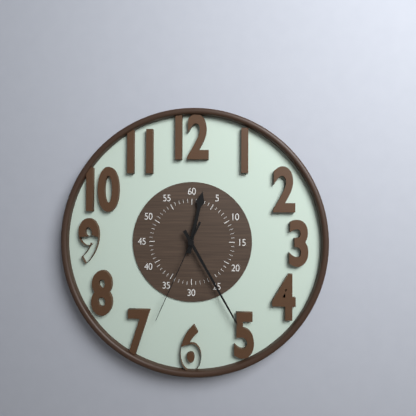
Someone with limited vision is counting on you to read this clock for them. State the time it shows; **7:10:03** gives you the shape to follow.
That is **12:25:34**
